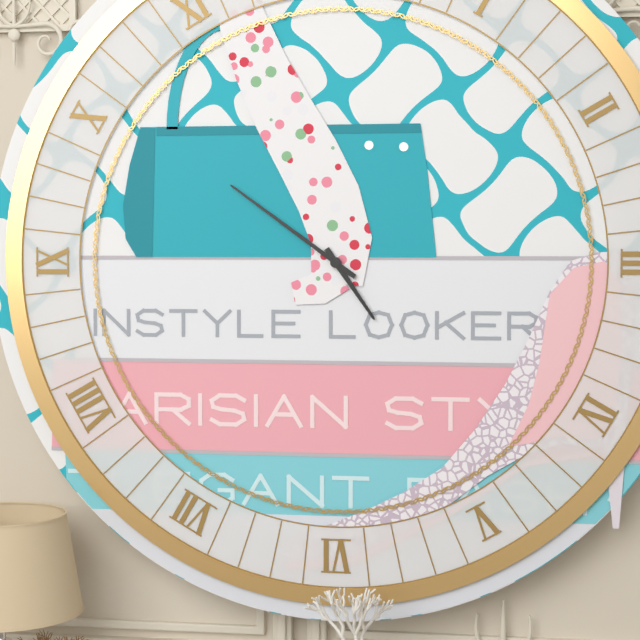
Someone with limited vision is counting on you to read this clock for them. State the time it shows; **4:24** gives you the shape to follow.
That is **4:51**
